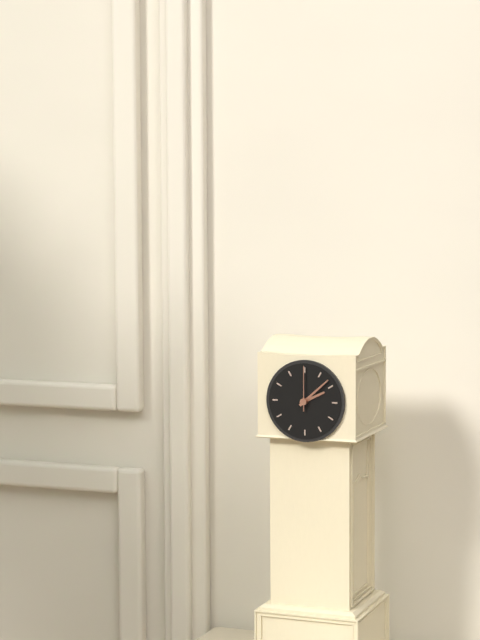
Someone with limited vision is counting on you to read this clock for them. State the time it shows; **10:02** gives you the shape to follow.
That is **2:08**
